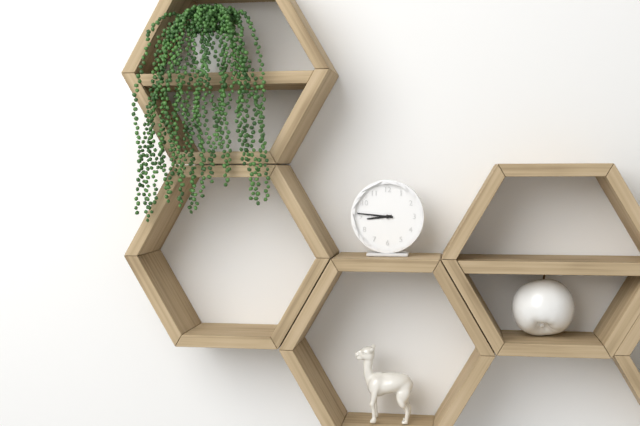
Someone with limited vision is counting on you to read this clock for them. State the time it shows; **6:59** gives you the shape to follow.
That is **8:46**
